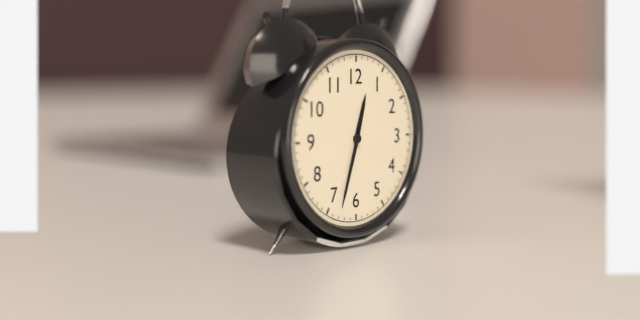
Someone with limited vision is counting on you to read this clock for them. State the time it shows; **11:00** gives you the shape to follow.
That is **12:33**
